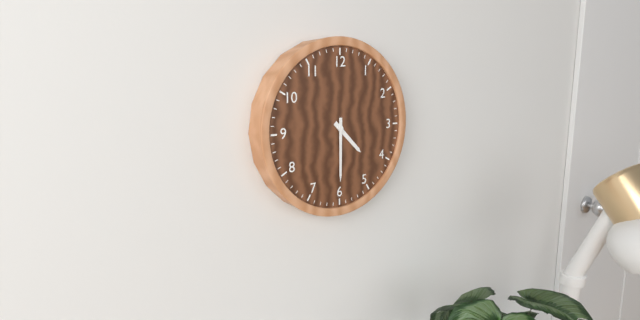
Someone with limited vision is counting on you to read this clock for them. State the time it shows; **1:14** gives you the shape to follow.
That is **4:30**
